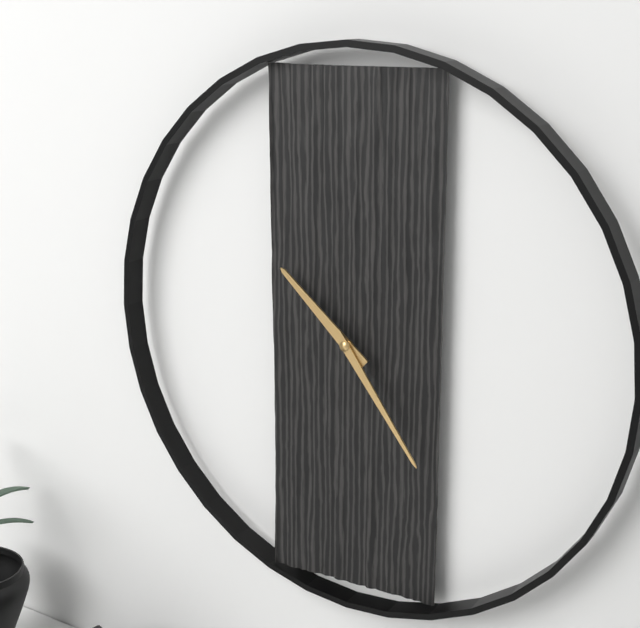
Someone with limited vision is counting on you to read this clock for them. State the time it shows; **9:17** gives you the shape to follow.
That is **10:24**
